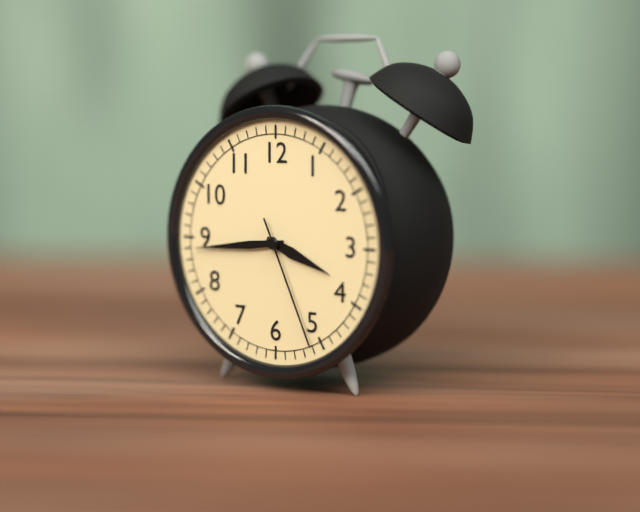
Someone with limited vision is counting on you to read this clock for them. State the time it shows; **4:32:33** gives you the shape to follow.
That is **3:44:26**
